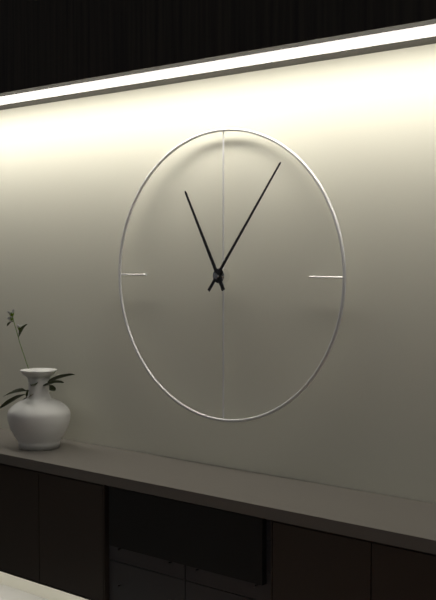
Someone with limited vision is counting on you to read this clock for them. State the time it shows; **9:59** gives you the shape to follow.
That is **11:06**
